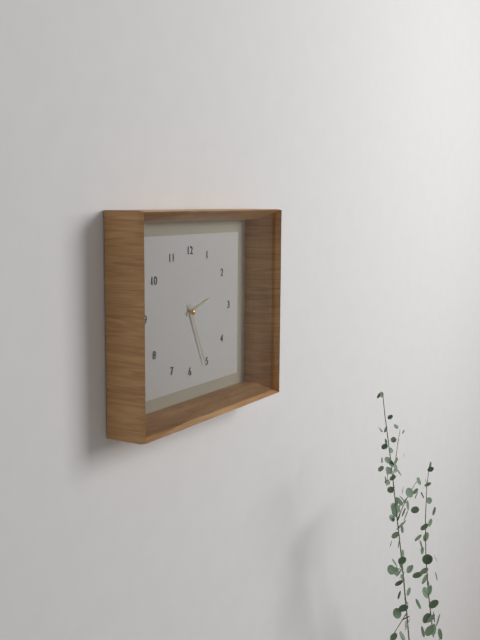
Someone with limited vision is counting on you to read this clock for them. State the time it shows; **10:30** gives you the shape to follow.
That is **2:26**
